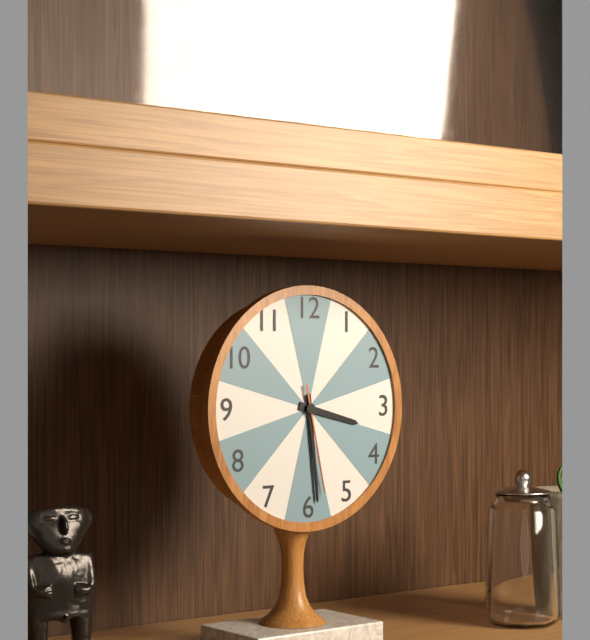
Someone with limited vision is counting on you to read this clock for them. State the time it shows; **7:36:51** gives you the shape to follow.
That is **3:29:28**
